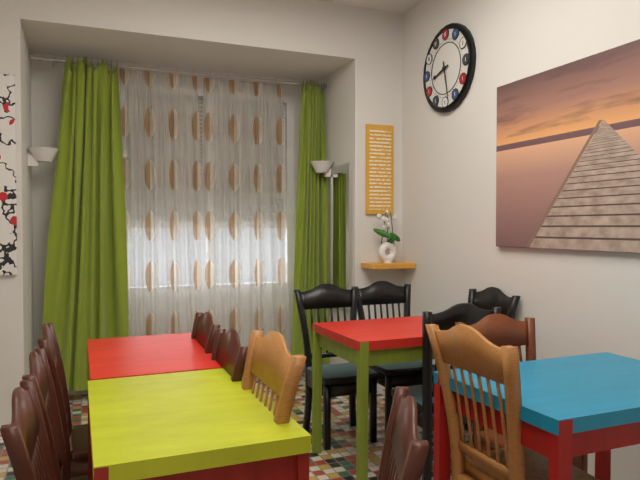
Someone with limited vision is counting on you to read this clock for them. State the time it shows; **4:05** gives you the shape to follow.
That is **8:28**
